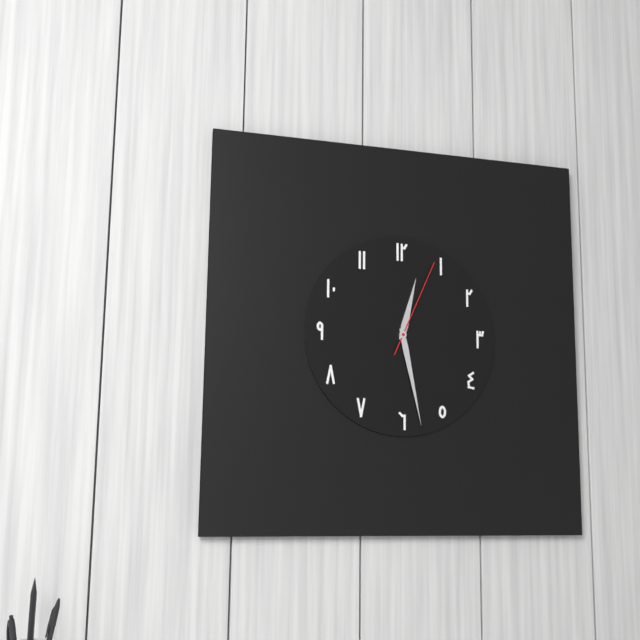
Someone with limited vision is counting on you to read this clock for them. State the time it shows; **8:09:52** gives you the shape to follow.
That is **12:28:04**
